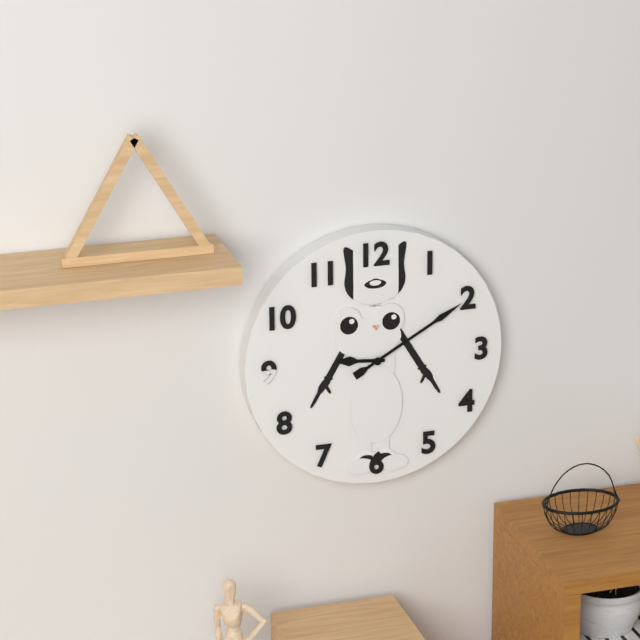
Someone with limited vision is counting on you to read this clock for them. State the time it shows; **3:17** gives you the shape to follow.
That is **9:10**
